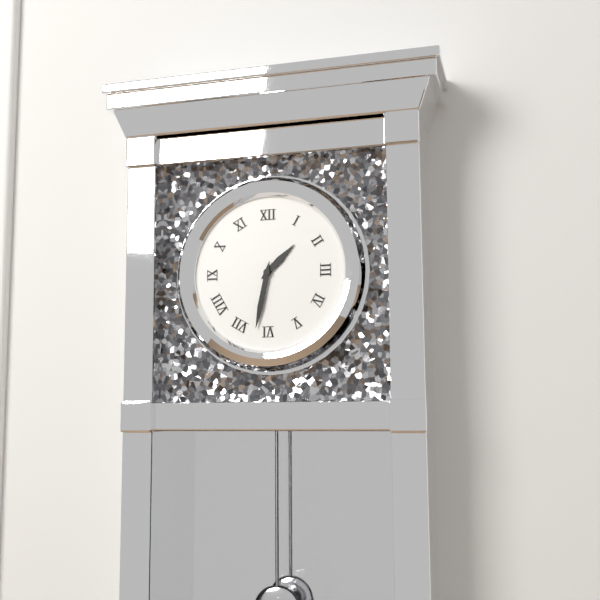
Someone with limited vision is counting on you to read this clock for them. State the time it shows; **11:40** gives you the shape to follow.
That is **1:32**
